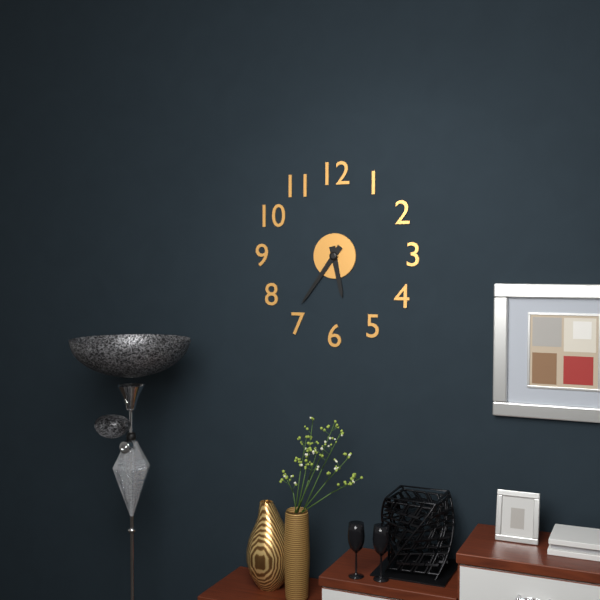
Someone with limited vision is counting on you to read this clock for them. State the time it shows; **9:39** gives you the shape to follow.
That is **5:36**
